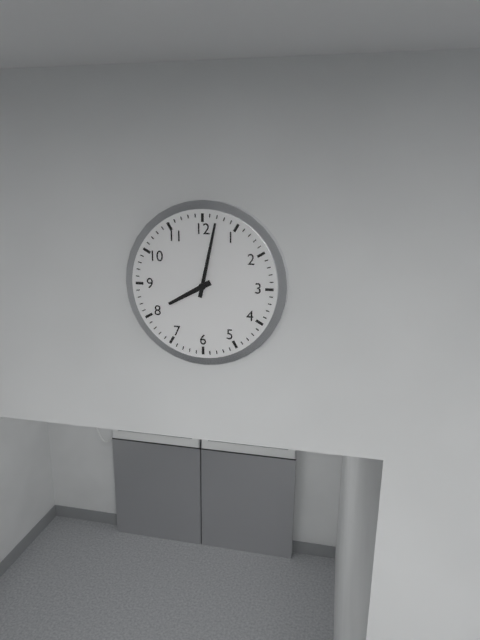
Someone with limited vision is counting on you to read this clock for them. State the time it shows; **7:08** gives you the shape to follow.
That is **8:02**
